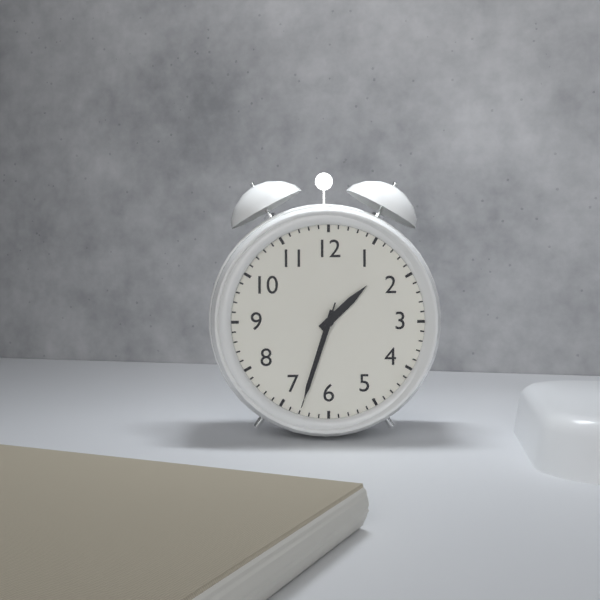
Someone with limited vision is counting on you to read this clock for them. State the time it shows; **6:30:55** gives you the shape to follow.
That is **1:33:33**
